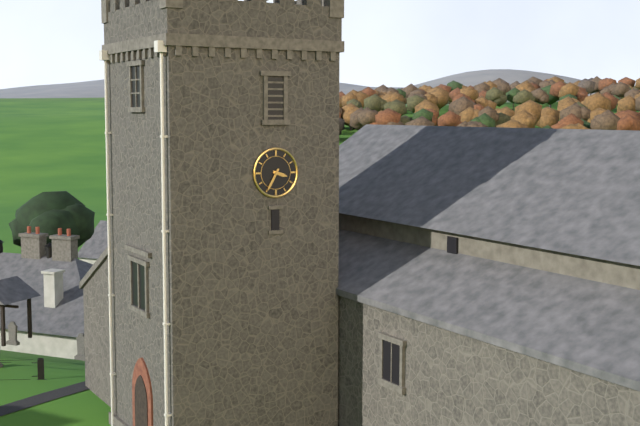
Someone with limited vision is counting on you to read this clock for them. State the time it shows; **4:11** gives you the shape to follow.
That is **3:35**
